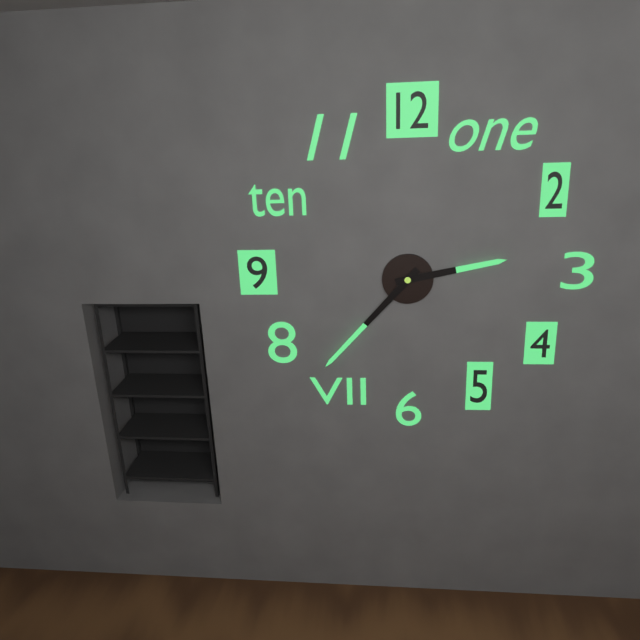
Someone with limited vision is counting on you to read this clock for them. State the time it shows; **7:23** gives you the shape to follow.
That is **2:37**
